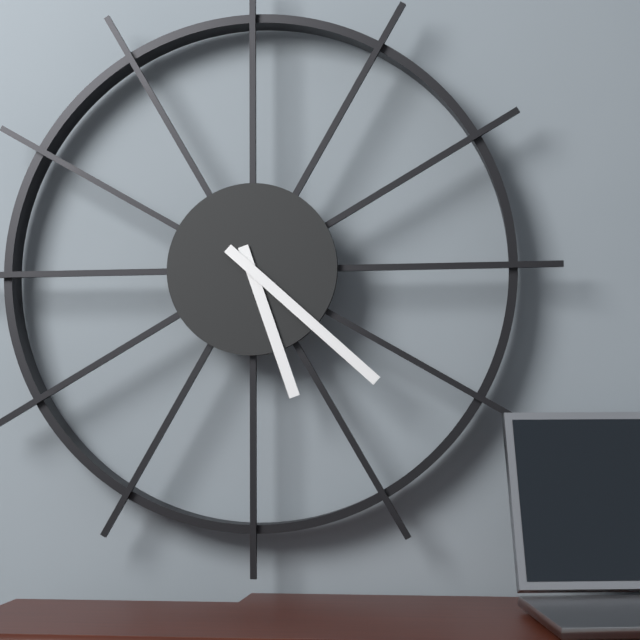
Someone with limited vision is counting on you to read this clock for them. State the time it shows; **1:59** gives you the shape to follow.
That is **5:22**
